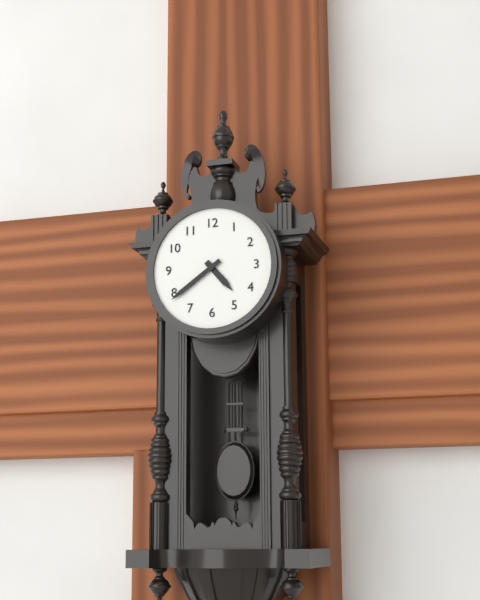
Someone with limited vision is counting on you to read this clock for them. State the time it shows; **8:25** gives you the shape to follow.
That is **4:39**
